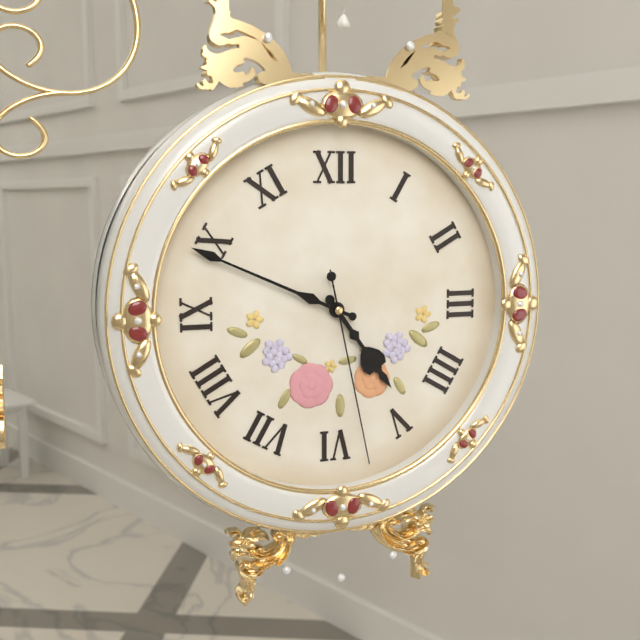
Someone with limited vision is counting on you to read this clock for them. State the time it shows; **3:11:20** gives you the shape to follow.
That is **4:49:28**
